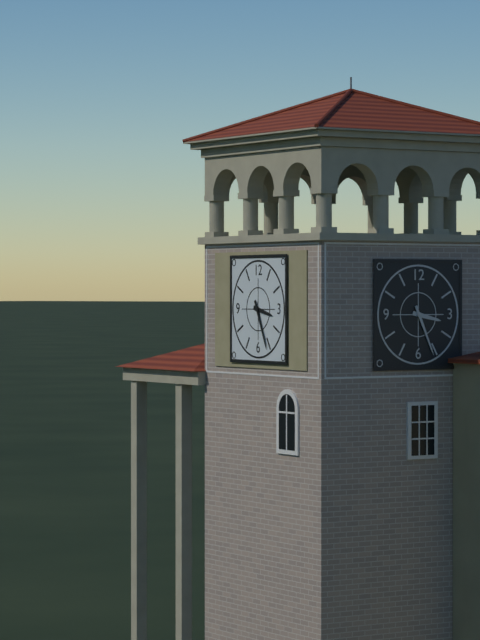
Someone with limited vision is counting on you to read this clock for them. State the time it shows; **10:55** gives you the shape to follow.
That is **3:26**
